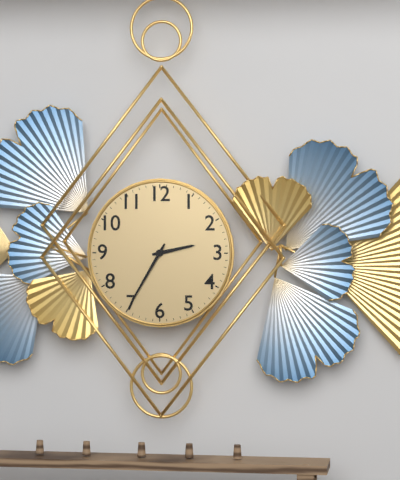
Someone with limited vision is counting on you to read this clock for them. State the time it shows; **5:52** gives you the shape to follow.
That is **2:35**
